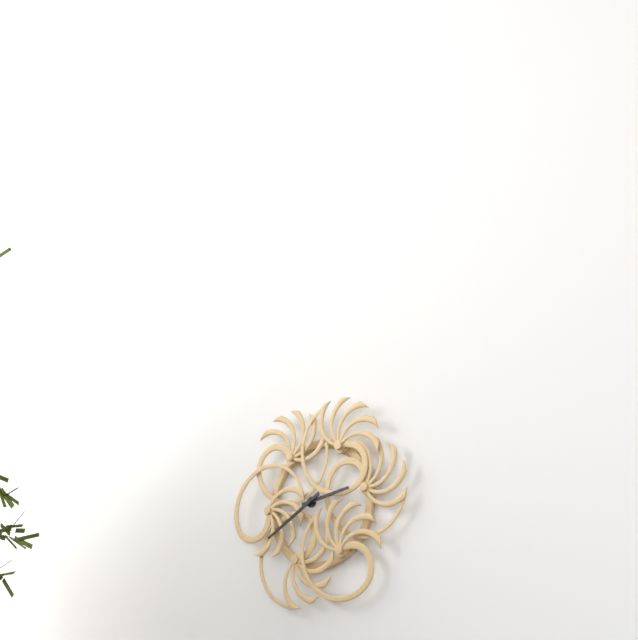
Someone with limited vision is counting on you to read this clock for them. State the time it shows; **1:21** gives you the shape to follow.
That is **2:40**
